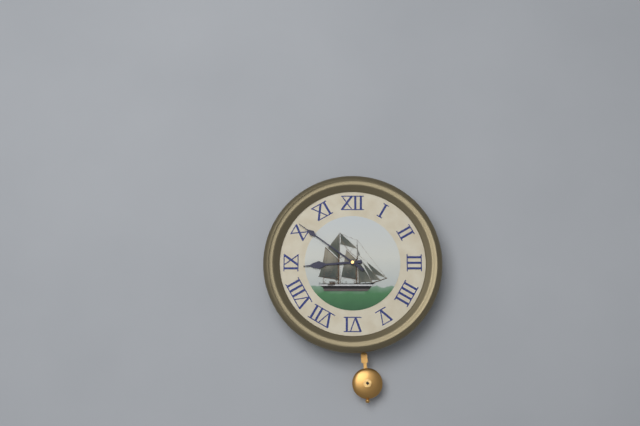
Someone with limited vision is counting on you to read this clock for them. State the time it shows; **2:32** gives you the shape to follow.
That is **8:51**
